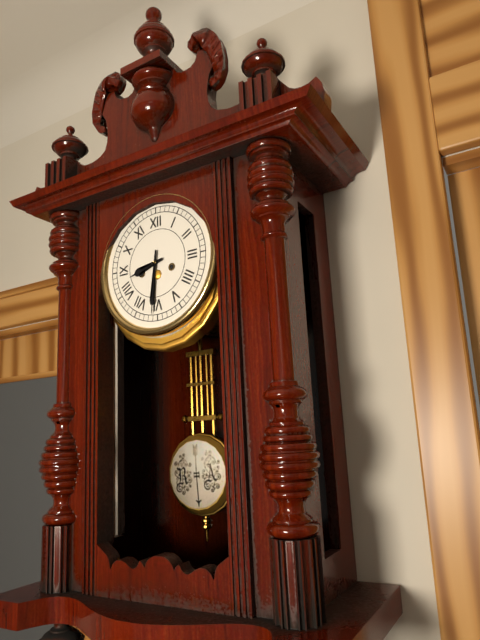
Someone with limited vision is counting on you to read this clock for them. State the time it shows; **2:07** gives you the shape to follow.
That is **8:31**
